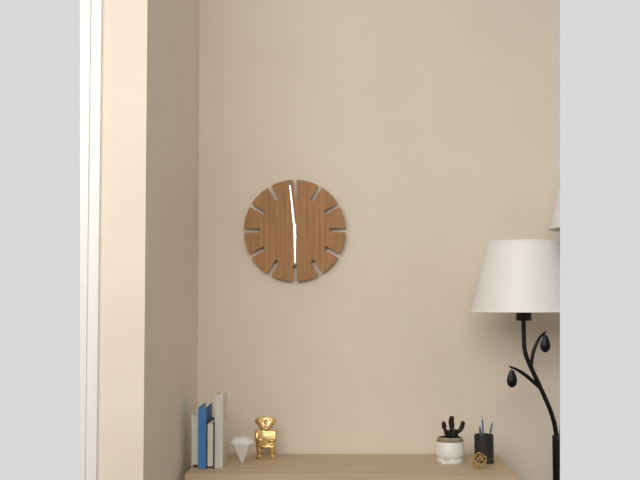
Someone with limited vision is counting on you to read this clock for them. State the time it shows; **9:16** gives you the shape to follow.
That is **5:59**
